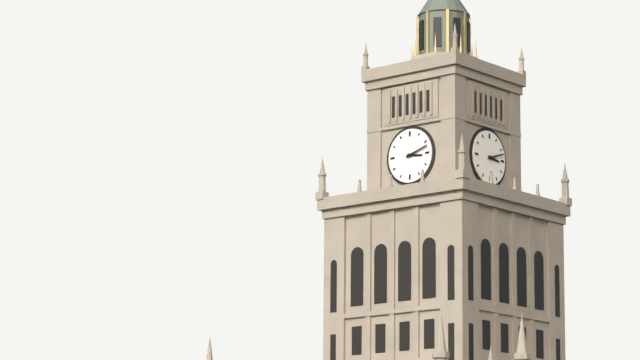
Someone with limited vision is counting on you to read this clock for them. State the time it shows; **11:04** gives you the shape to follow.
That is **3:12**
